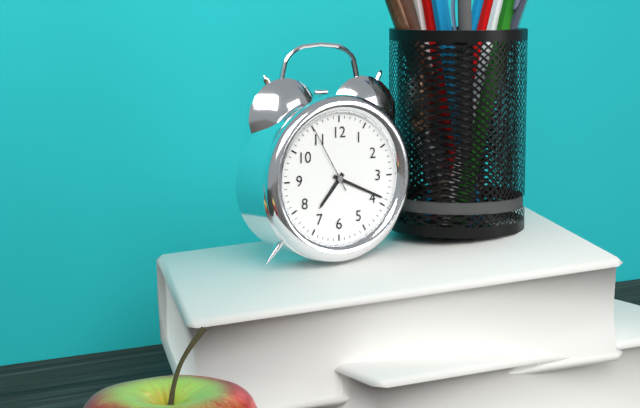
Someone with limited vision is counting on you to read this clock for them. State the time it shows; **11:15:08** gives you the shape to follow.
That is **7:19:55**
